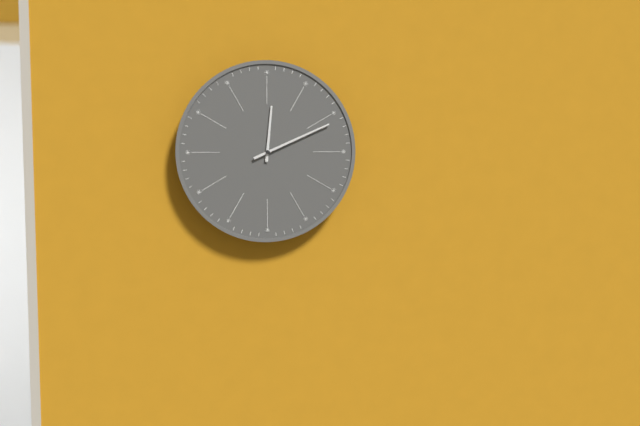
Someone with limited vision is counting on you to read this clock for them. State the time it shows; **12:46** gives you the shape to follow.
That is **12:11**
